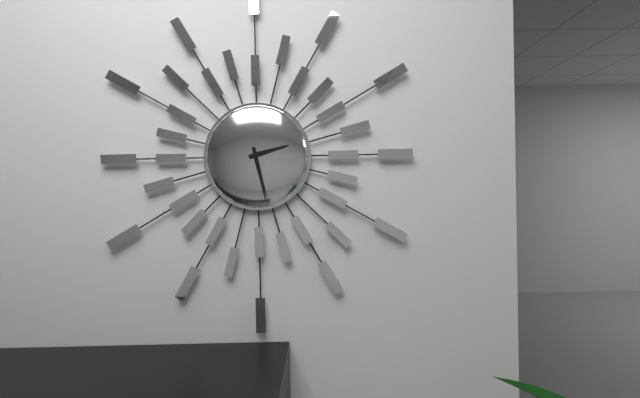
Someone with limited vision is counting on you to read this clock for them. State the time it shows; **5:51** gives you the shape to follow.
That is **2:28**
